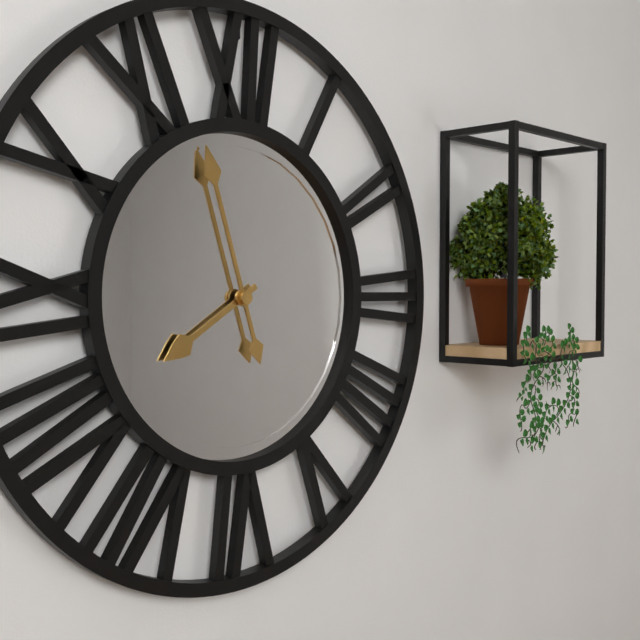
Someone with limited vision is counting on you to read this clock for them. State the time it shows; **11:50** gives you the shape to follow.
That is **7:57**
